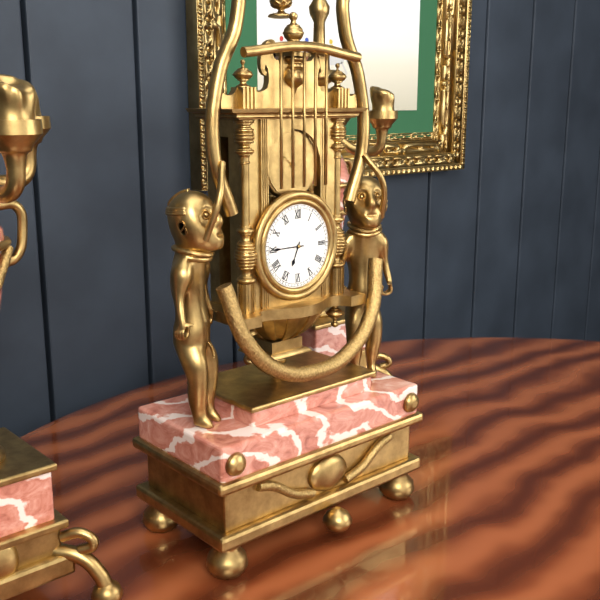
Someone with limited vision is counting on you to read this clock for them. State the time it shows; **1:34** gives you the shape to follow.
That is **6:45**
